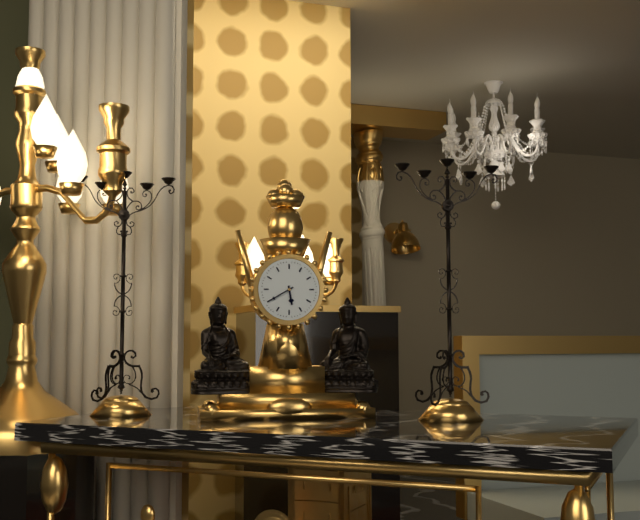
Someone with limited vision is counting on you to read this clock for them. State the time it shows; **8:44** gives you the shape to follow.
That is **5:40**
